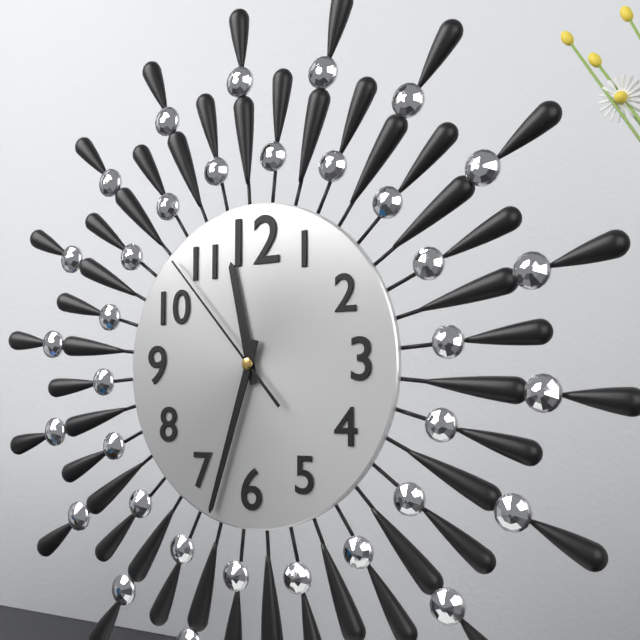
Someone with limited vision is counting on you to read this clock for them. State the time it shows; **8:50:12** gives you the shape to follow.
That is **11:33:53**
